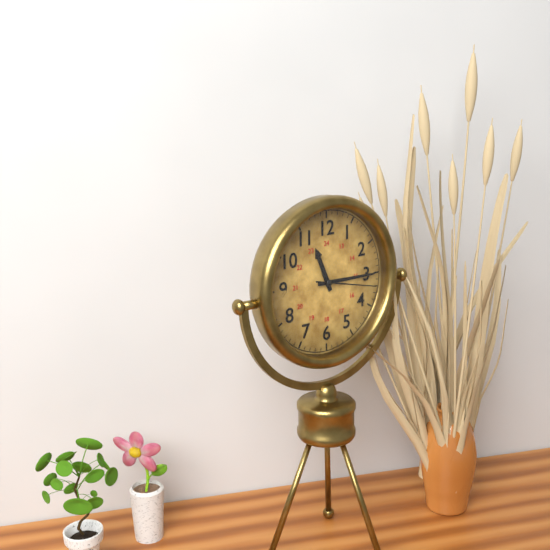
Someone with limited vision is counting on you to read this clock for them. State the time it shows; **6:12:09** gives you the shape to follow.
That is **11:15:17**
